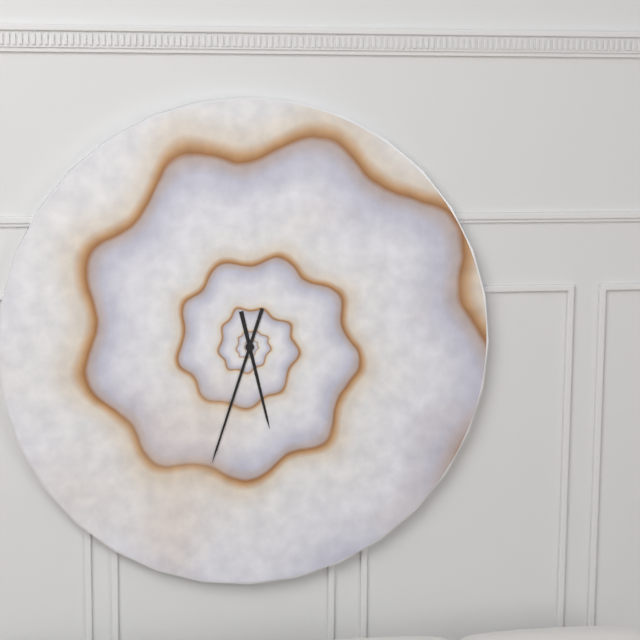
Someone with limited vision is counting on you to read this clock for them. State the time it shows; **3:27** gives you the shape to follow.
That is **5:33**
